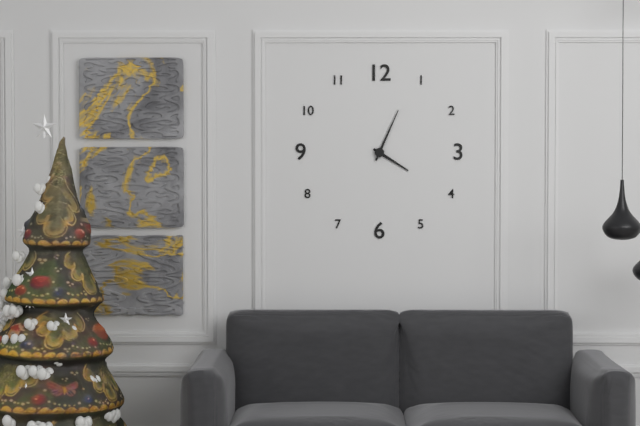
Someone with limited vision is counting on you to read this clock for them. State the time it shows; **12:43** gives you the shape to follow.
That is **4:04**
